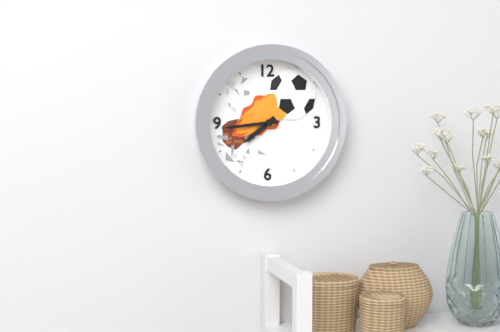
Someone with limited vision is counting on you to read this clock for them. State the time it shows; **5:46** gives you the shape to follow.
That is **7:44**
